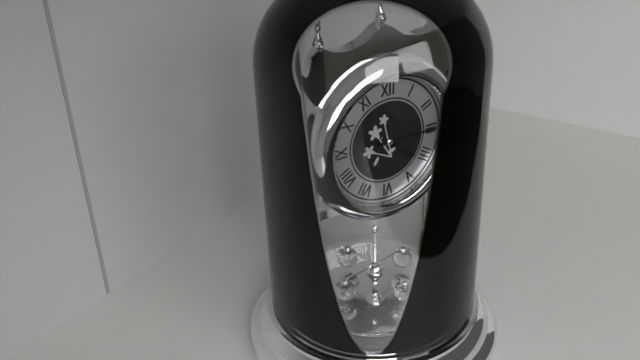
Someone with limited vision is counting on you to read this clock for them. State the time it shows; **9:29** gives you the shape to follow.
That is **4:15**
